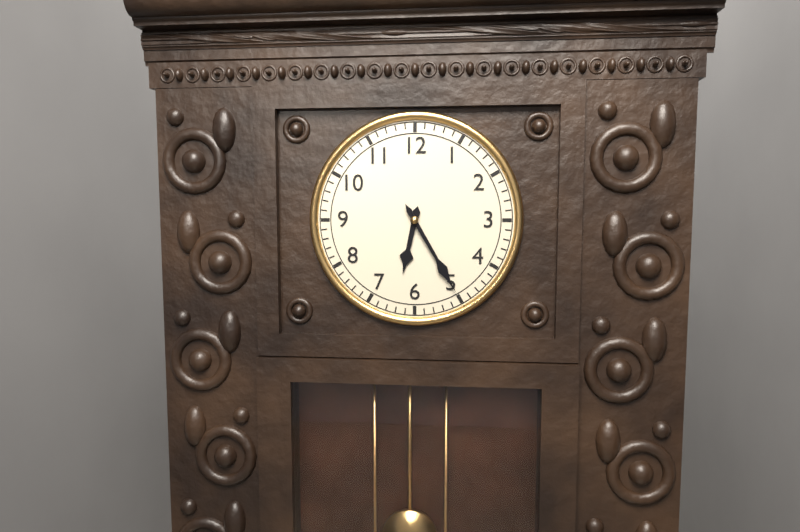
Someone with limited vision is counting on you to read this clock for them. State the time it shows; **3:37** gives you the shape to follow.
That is **6:25**
